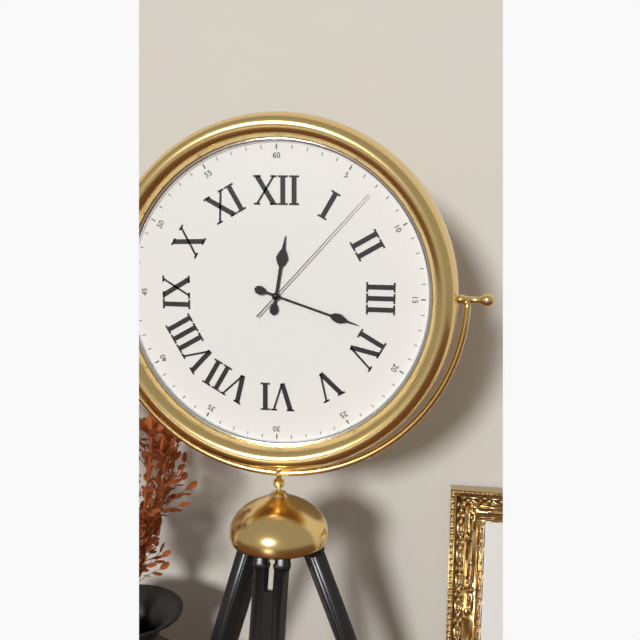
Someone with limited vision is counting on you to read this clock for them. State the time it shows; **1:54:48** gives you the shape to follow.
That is **12:18:07**
